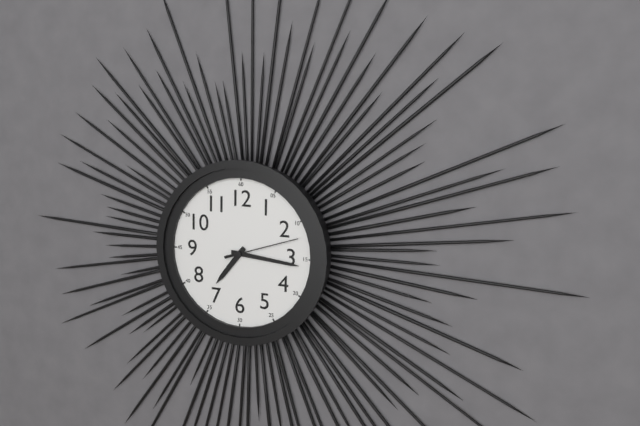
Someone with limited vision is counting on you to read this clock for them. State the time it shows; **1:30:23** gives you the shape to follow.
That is **7:16:12**
